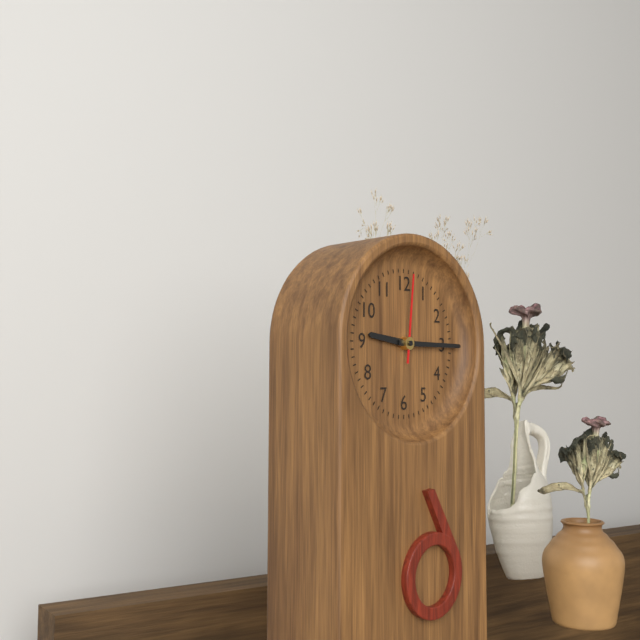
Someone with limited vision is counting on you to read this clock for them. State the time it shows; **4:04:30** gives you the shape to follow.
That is **9:15:01**
